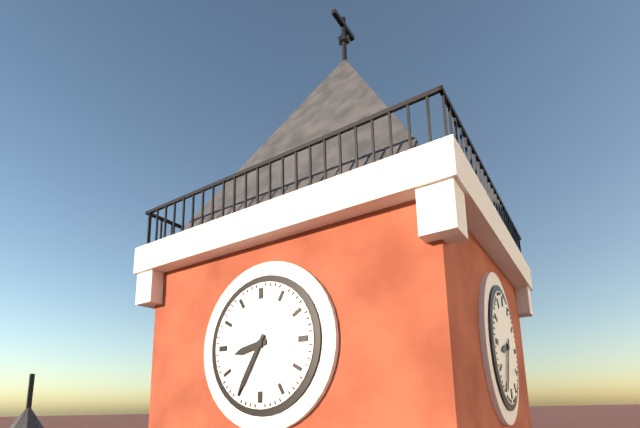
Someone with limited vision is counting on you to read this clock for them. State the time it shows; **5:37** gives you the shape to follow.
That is **8:35**
